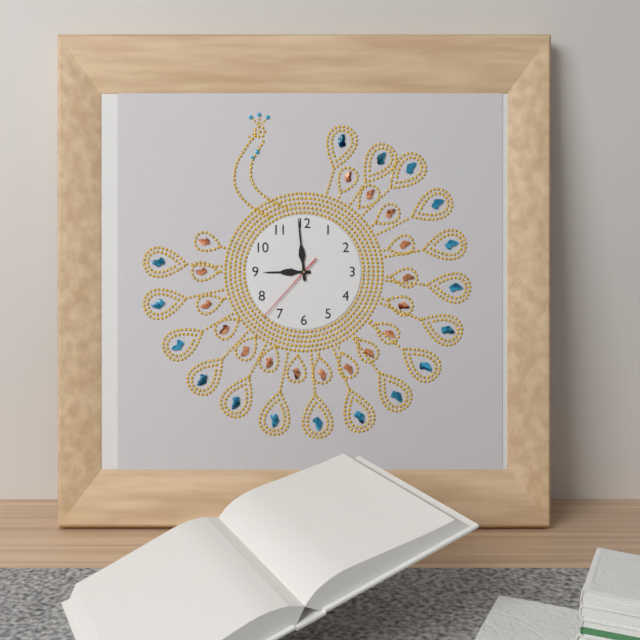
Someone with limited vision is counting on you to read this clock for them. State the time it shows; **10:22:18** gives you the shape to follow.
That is **8:59:37**
